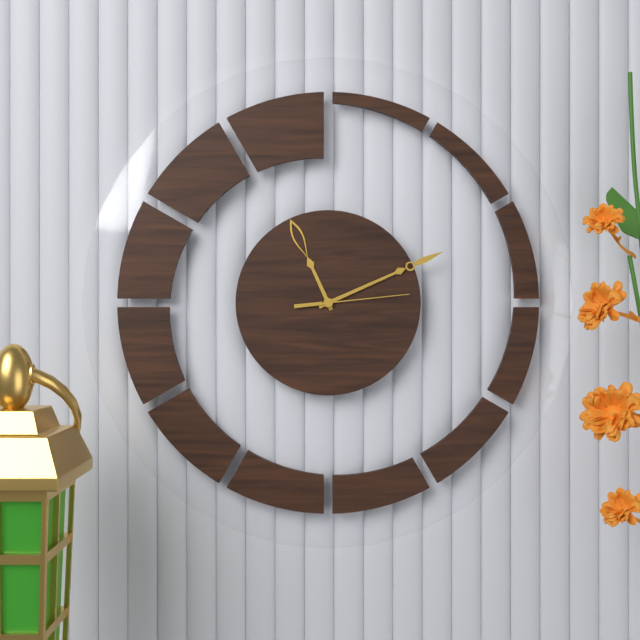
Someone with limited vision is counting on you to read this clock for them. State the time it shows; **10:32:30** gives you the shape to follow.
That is **11:11:14**
